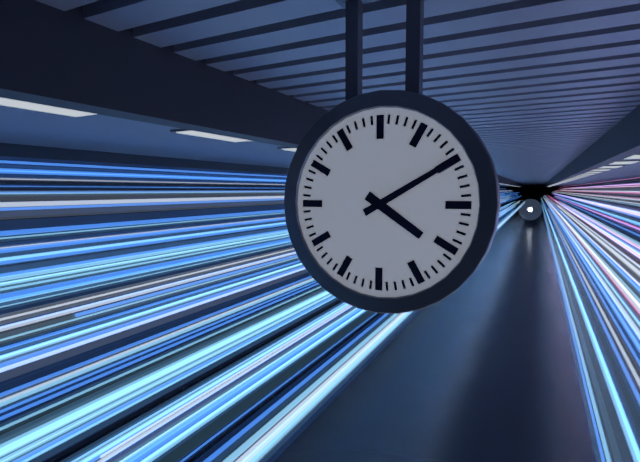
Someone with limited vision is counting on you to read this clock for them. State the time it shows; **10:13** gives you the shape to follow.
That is **4:10**
